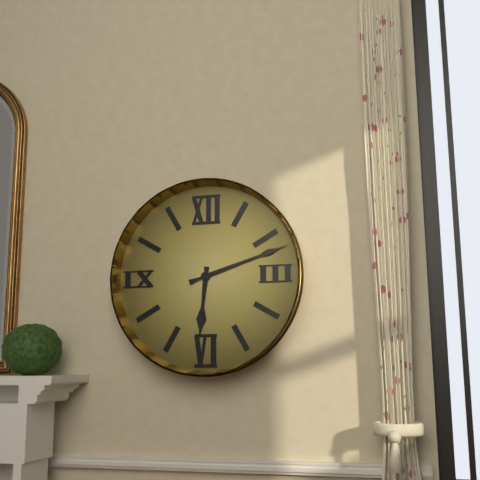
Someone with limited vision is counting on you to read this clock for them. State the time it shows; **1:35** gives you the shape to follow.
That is **6:12**
